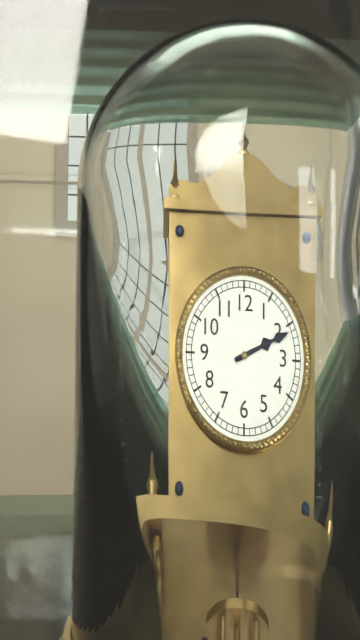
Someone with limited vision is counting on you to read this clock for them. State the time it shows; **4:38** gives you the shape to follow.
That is **2:11**
